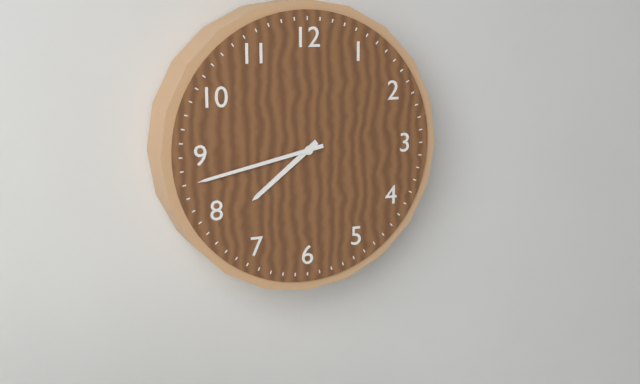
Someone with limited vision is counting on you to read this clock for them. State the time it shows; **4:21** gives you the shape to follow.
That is **7:43**
